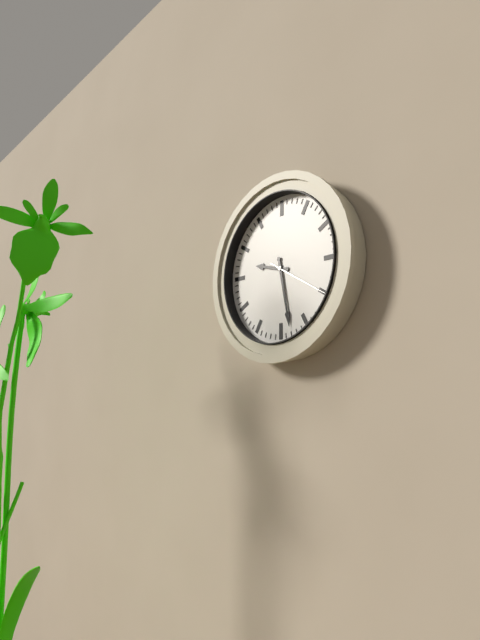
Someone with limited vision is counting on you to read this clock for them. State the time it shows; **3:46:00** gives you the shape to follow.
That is **9:28:20**
